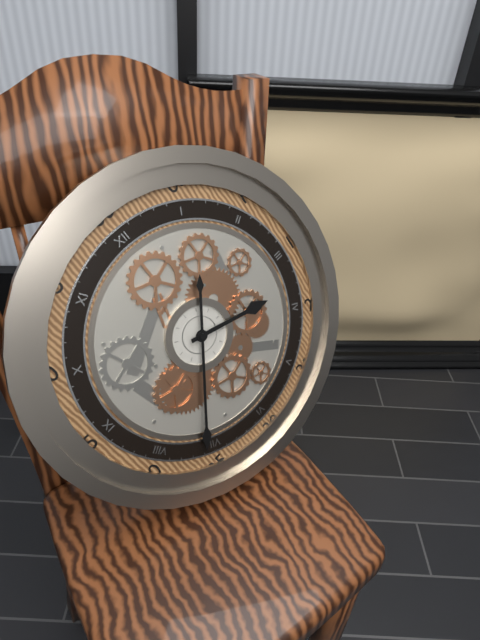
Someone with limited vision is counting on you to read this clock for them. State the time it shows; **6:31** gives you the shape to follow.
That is **3:36**
